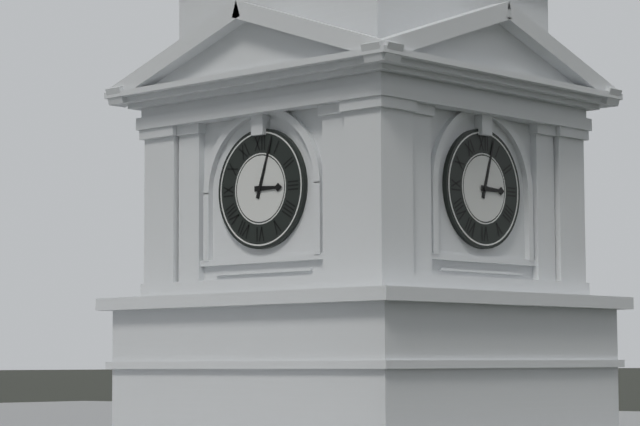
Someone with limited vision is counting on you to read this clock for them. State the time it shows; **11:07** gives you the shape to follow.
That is **3:03**
